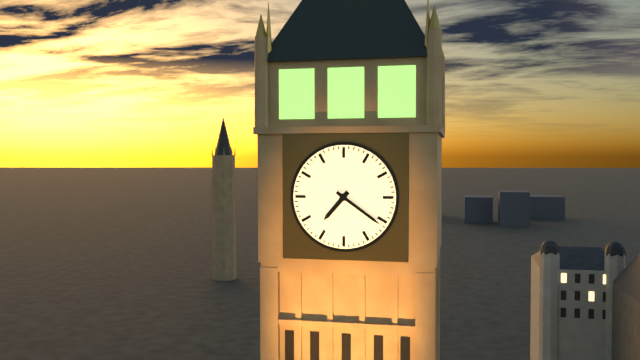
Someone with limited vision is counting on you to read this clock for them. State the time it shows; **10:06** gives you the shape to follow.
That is **7:21**
